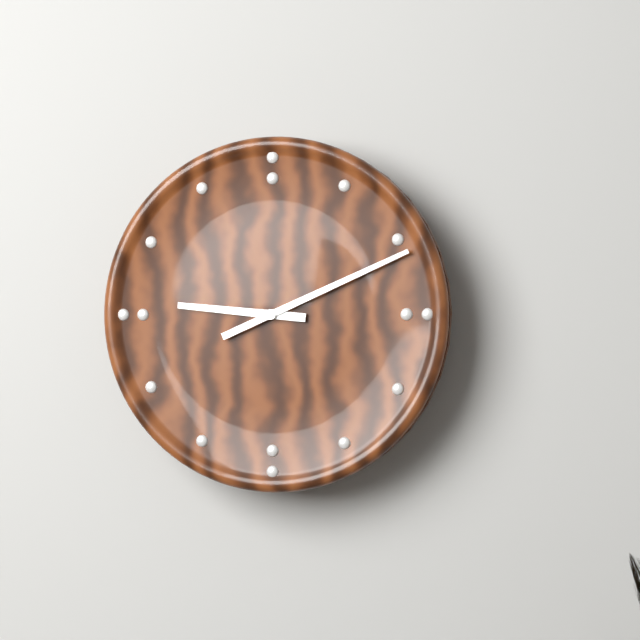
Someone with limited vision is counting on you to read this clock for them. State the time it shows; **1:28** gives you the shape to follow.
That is **9:11**
